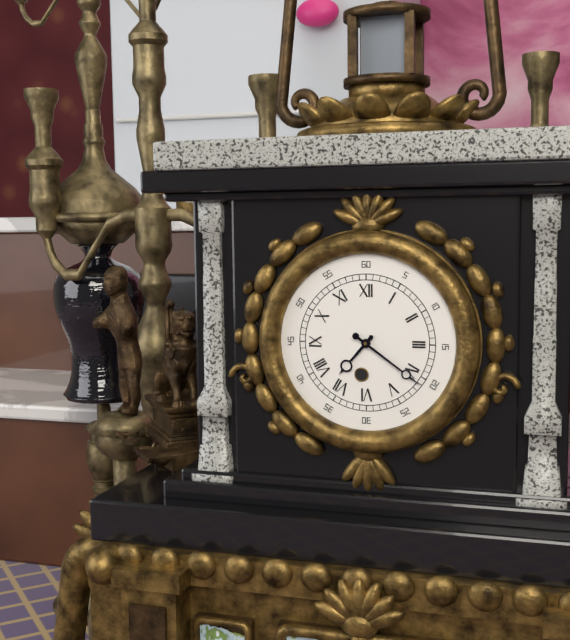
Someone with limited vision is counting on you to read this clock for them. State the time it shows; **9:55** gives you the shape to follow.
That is **7:21**
